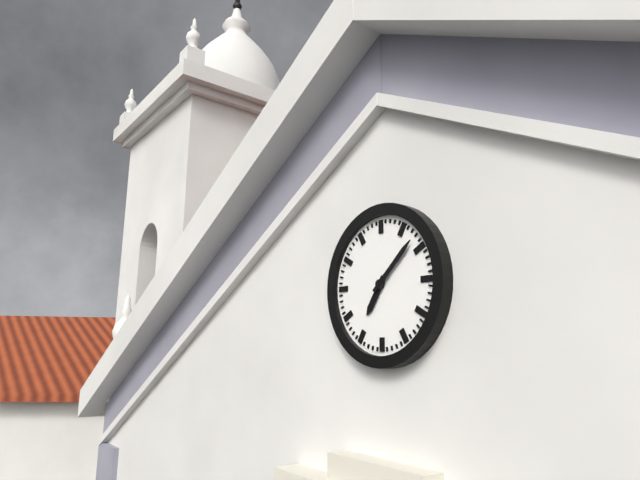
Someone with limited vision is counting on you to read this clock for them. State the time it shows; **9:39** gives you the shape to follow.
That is **7:08**
